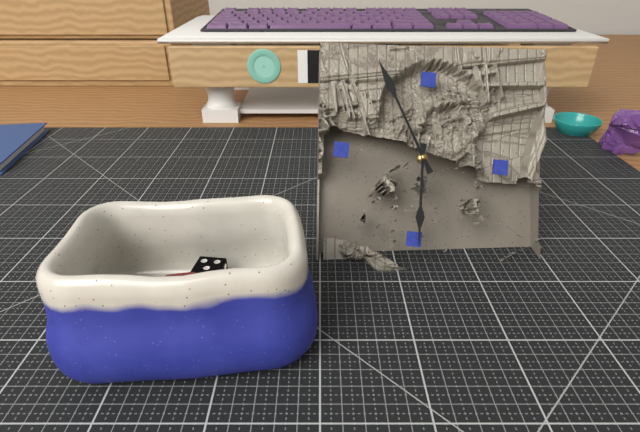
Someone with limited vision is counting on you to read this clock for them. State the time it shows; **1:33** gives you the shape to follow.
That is **5:55**
